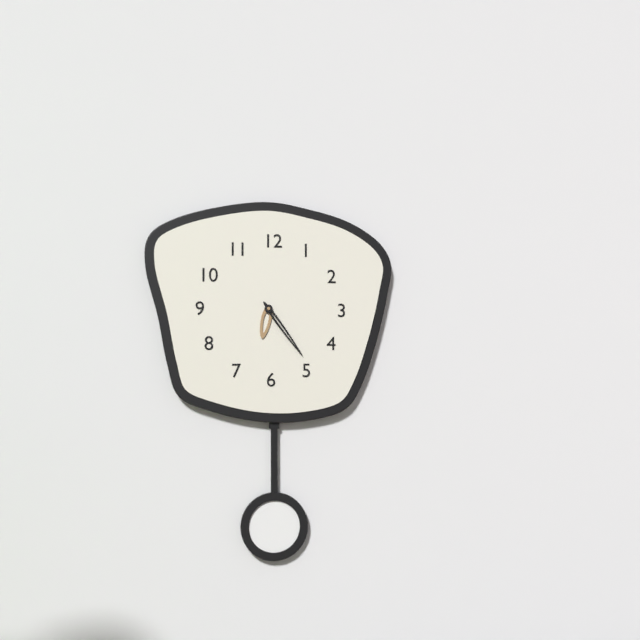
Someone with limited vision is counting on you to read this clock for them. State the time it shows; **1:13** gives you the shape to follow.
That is **6:24**
